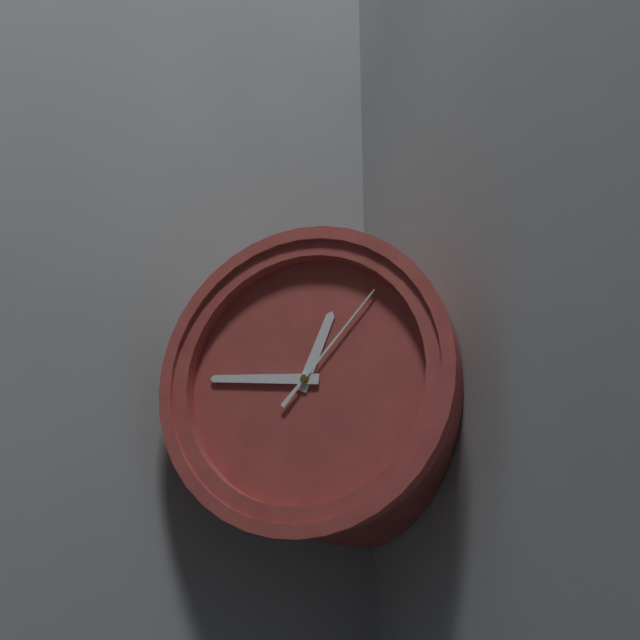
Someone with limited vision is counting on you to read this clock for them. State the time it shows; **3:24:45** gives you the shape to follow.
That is **12:46:07**
